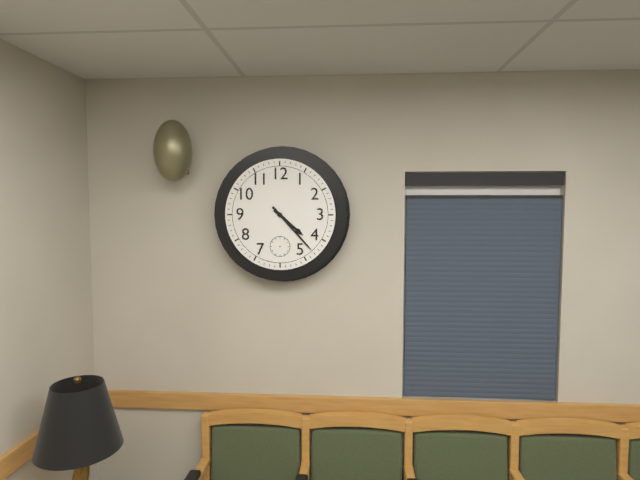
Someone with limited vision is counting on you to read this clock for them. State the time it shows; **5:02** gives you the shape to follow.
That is **4:23**
